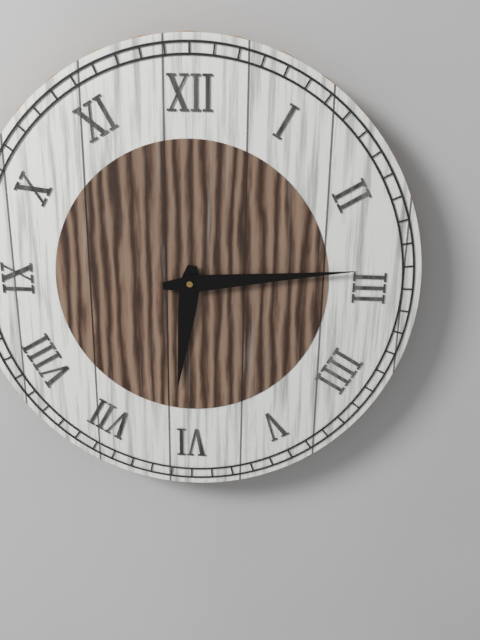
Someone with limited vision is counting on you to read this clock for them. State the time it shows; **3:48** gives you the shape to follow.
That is **6:14**
